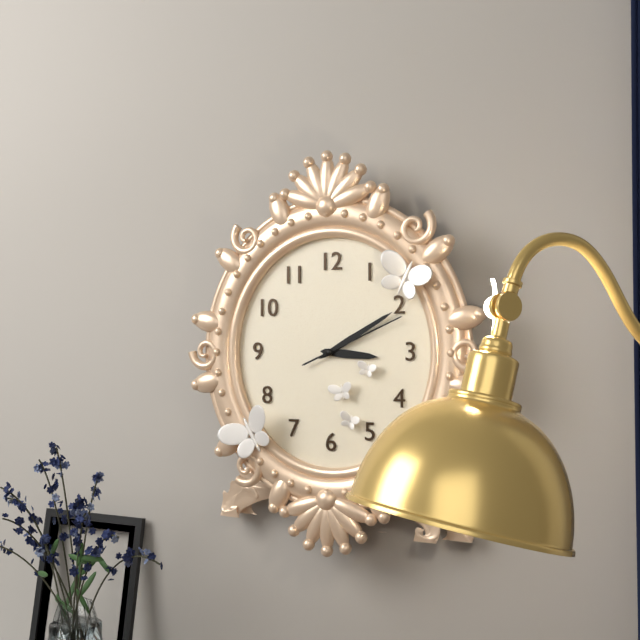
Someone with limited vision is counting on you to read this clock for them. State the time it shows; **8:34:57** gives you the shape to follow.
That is **3:10:11**
